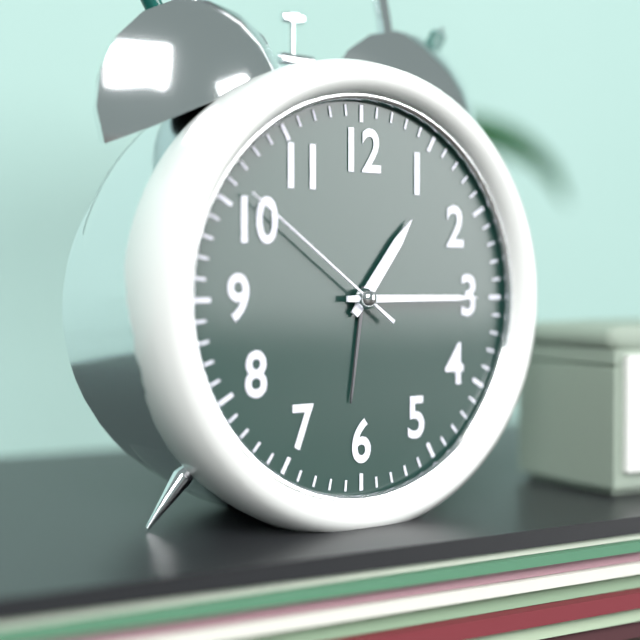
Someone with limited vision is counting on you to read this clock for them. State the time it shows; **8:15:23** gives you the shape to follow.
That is **1:15:51**
